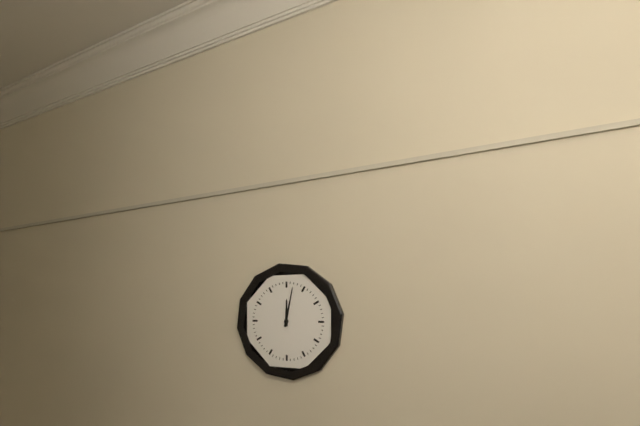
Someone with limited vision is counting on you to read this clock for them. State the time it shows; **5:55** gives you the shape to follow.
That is **12:02**
